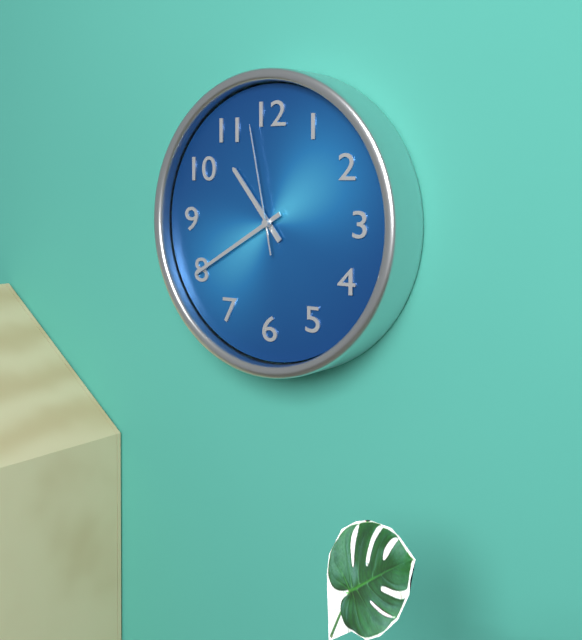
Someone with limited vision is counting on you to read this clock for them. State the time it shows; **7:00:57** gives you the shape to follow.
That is **10:40:58**
